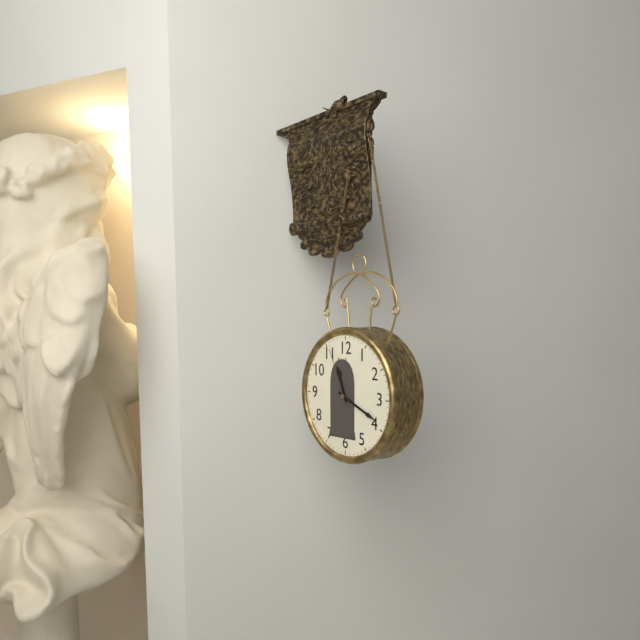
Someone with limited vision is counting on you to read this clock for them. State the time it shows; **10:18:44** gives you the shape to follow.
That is **11:19:56**
